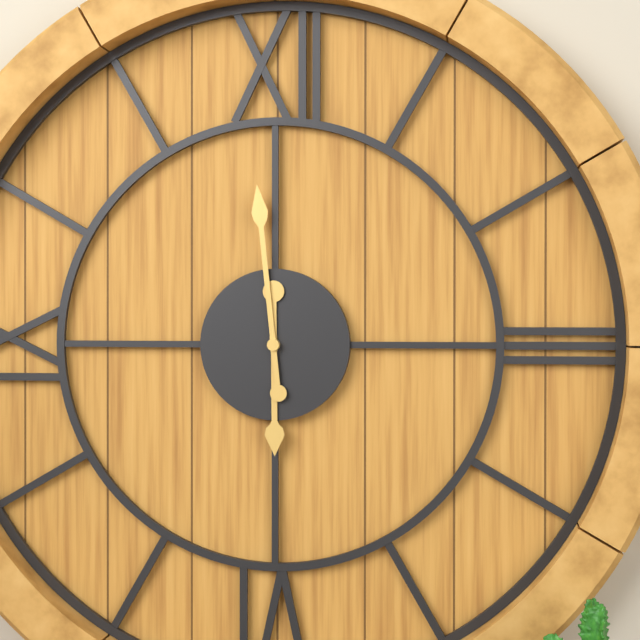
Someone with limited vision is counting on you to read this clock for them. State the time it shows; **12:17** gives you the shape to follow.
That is **5:59**
